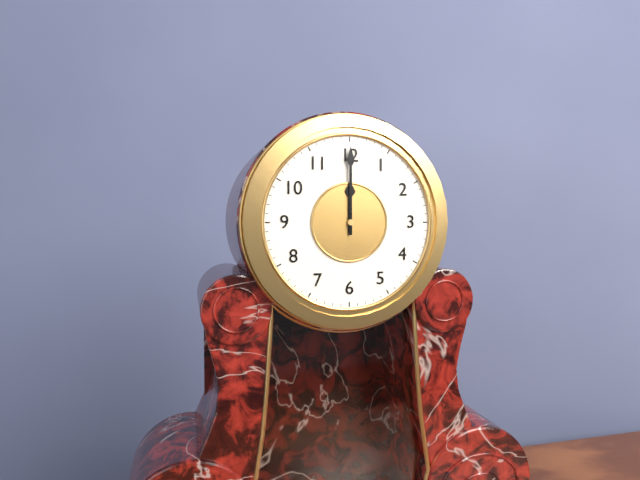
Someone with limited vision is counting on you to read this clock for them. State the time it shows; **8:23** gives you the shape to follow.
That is **12:00**
